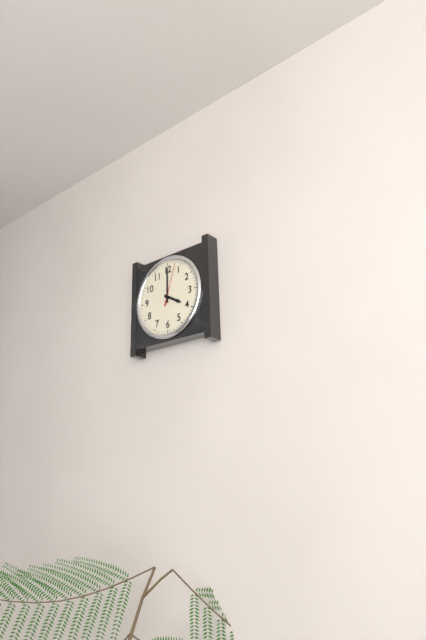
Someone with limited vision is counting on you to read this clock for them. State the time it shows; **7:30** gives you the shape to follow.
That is **4:00**
